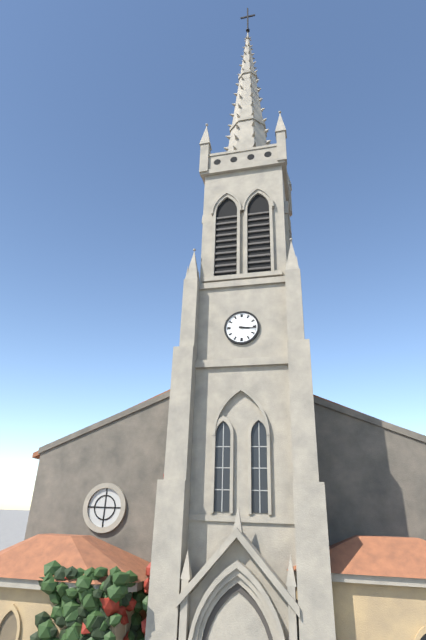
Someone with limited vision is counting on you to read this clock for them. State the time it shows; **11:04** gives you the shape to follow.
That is **3:16**
